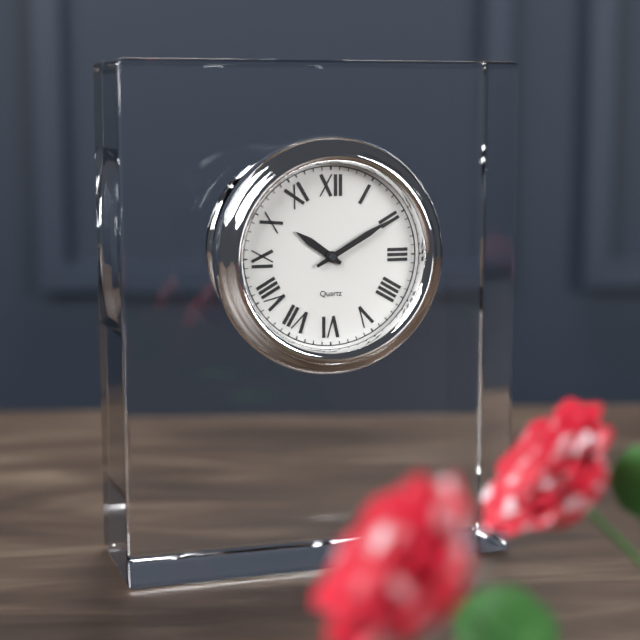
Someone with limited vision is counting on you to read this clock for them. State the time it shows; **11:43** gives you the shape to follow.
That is **10:10**
